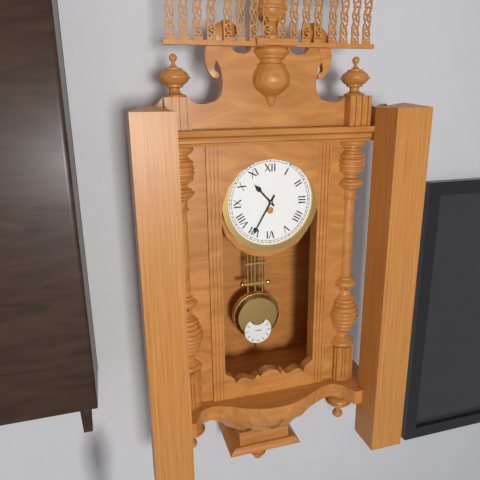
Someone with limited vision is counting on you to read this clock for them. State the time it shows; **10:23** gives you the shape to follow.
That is **10:35**
